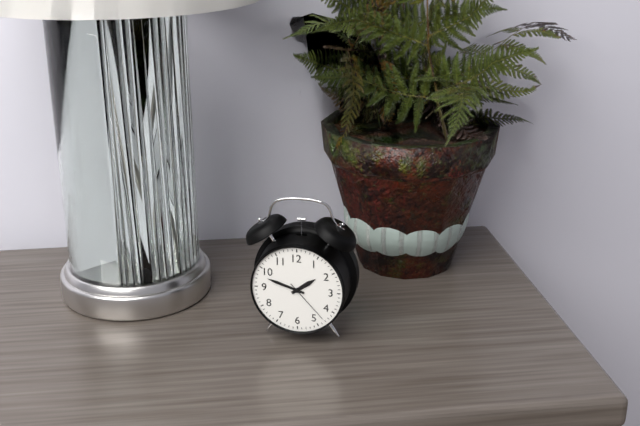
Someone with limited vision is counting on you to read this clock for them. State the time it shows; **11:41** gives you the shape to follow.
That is **1:48**
